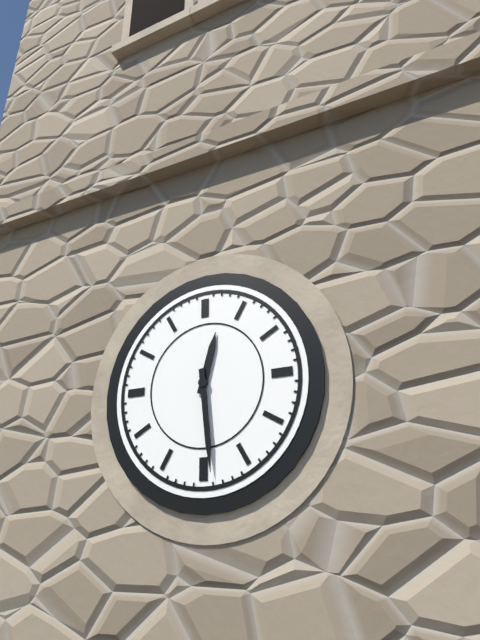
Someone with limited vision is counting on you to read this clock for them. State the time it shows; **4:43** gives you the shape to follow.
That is **12:29**
